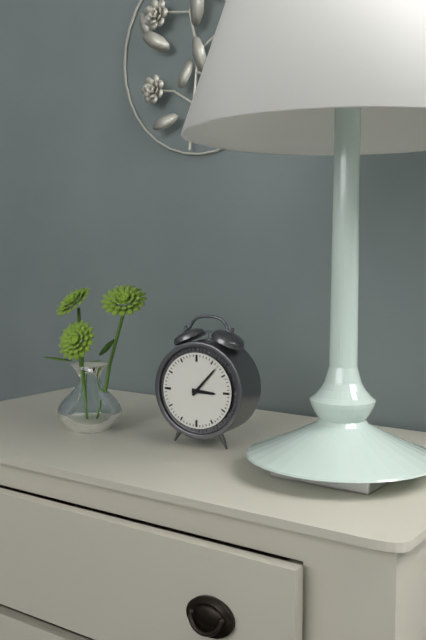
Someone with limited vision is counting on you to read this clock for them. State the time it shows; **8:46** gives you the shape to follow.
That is **3:07**
